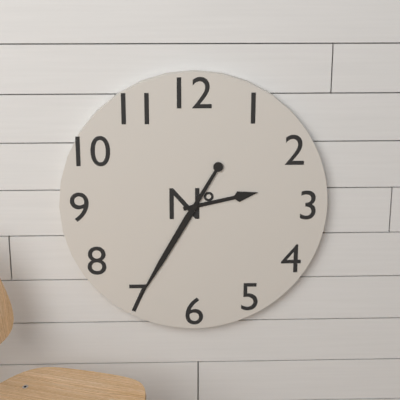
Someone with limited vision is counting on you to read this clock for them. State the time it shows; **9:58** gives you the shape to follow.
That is **2:35**
